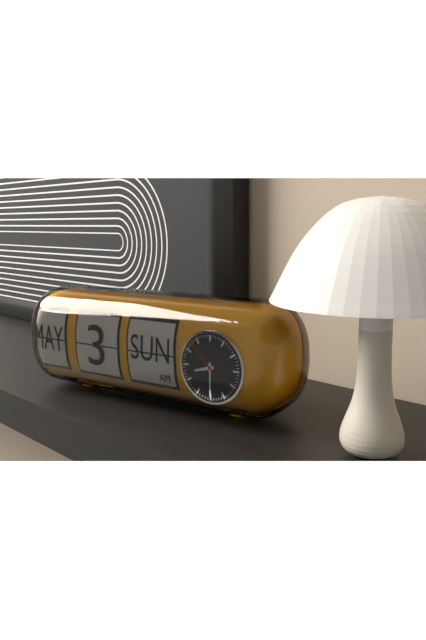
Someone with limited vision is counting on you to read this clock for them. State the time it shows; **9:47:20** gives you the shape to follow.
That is **8:30:53**
